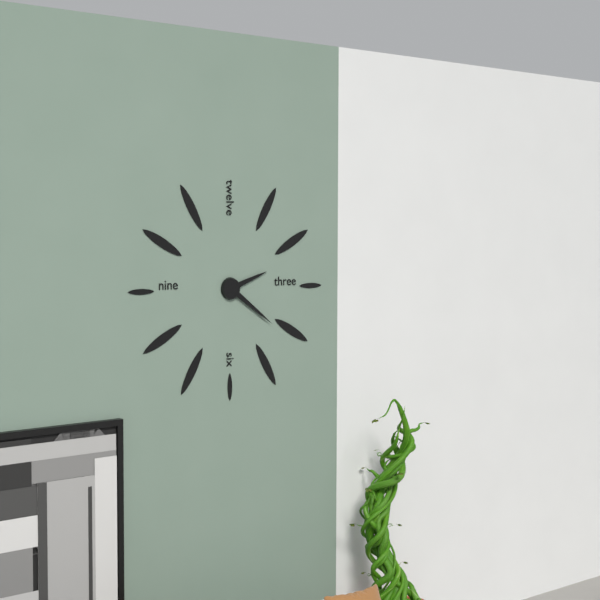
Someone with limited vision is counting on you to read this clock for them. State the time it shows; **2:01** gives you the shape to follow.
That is **2:21**
